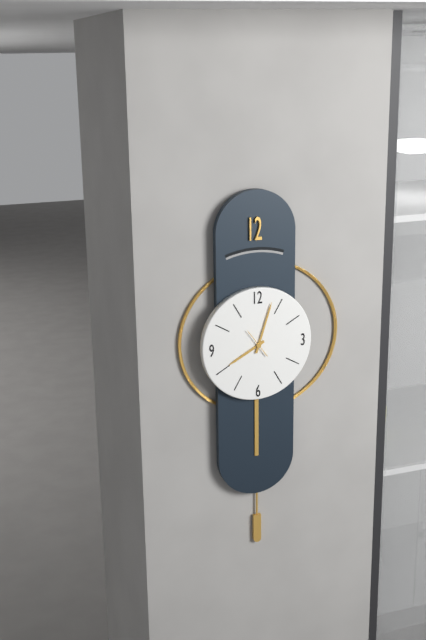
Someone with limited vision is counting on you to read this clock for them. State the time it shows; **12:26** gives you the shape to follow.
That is **8:03**
